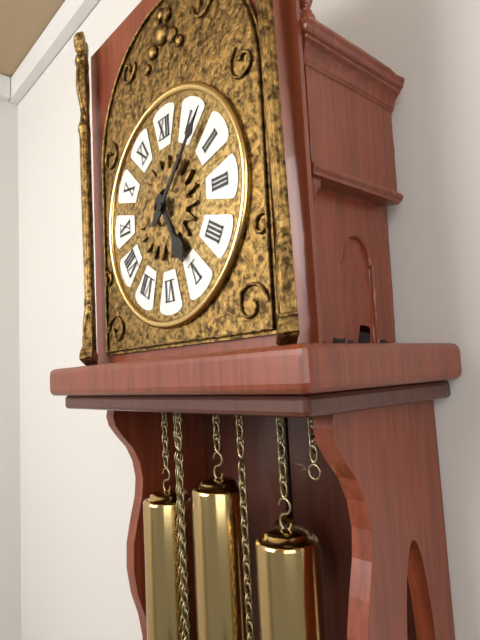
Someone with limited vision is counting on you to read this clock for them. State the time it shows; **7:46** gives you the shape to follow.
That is **5:07**
